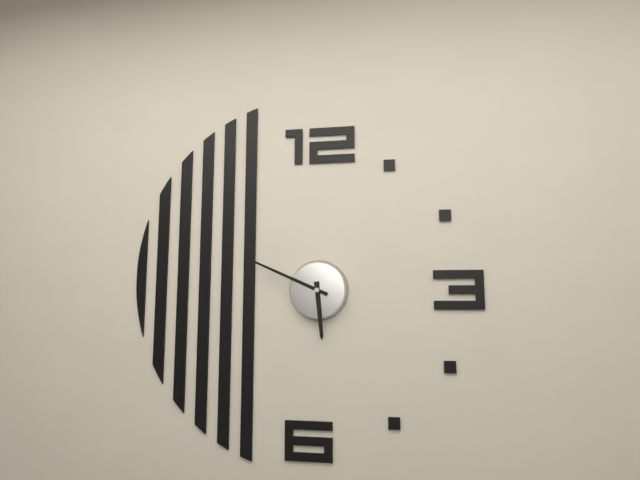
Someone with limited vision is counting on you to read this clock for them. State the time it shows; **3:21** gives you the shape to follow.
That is **5:49**
